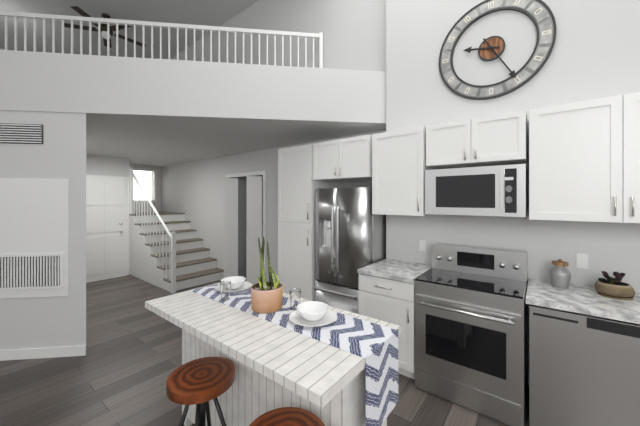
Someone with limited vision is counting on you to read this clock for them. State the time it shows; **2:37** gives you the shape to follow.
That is **9:25**
